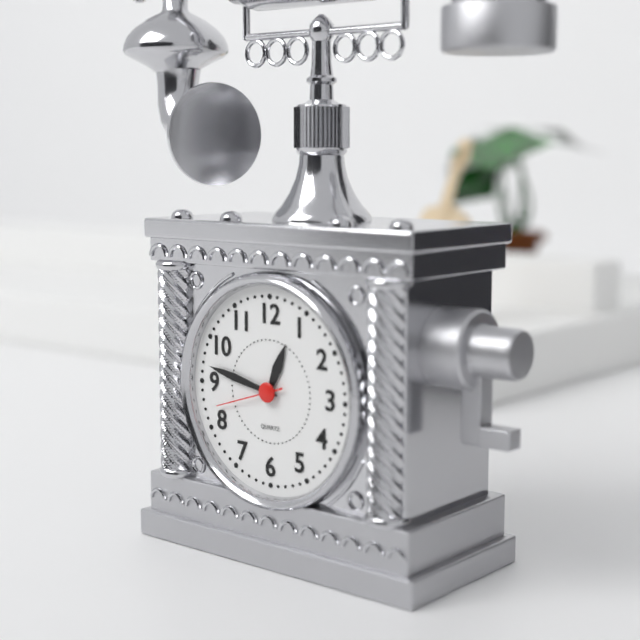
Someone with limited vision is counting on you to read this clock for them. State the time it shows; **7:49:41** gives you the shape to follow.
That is **12:47:42**
